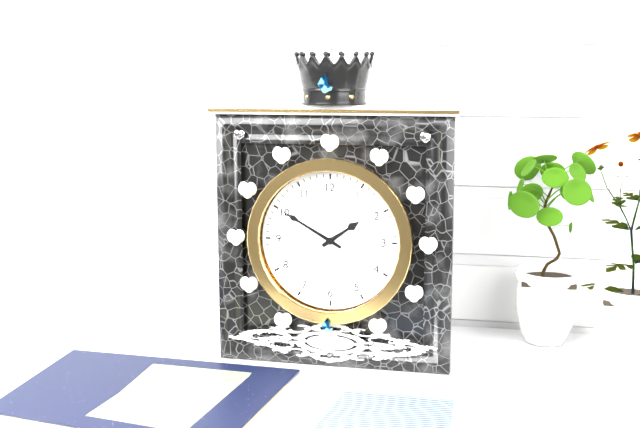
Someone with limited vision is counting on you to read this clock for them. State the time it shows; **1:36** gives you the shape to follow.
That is **1:50**
